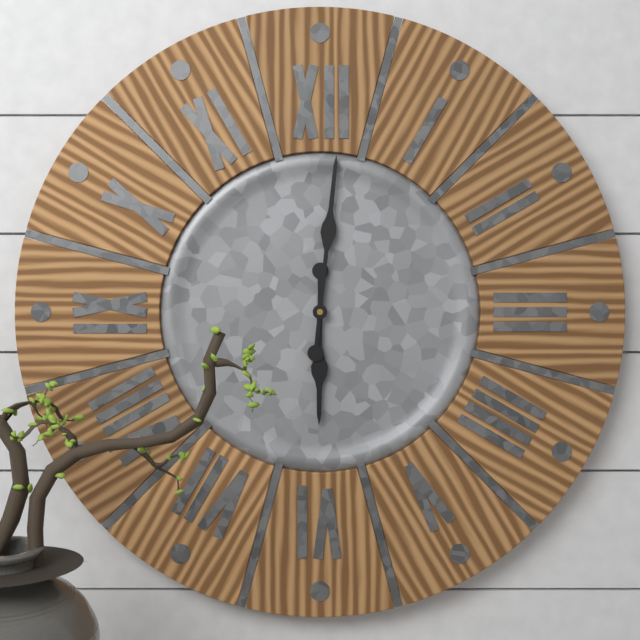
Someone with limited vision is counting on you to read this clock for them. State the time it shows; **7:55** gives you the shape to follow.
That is **6:01**
